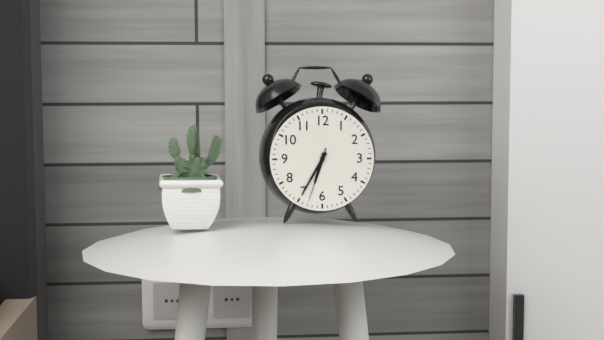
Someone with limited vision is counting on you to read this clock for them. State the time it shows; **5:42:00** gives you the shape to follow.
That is **6:35:33**
